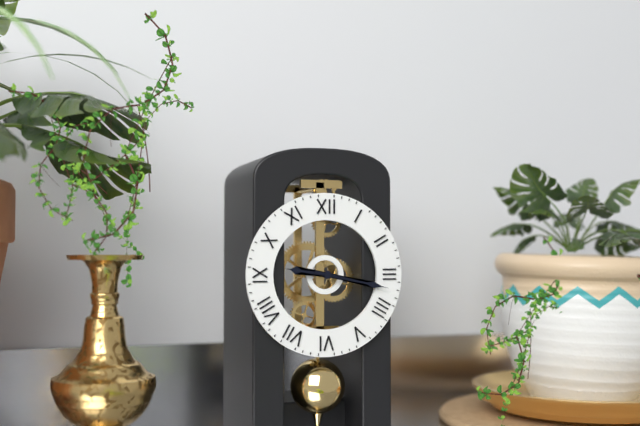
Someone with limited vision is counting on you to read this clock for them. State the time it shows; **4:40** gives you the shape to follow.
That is **9:17**
